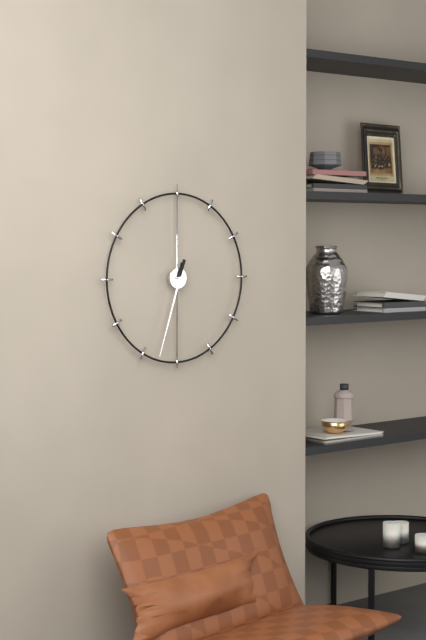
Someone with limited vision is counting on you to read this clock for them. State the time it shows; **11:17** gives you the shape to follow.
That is **6:33**
